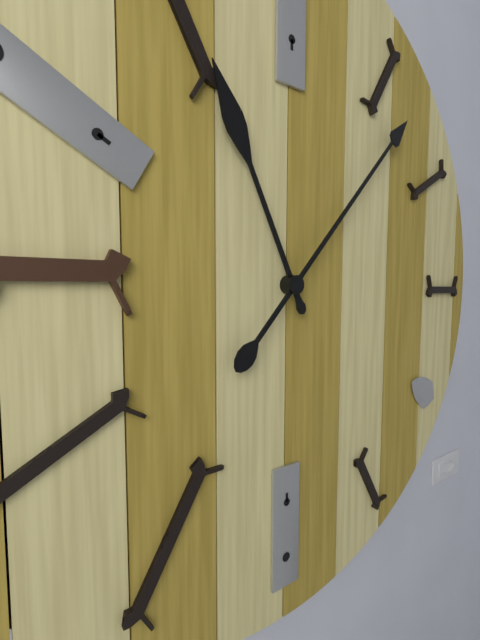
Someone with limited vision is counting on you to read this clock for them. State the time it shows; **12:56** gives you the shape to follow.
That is **11:07**
